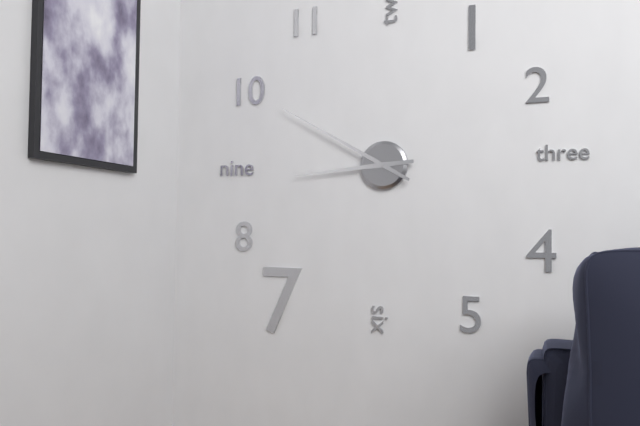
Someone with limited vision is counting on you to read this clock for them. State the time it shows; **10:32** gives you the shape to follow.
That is **8:50**
